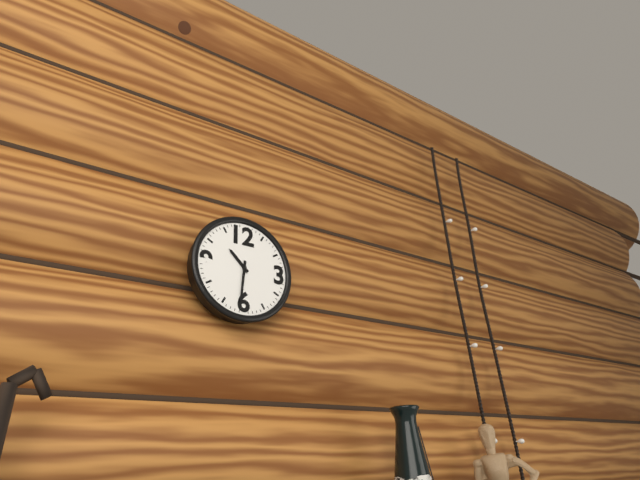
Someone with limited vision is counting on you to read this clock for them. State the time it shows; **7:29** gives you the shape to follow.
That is **10:31**
